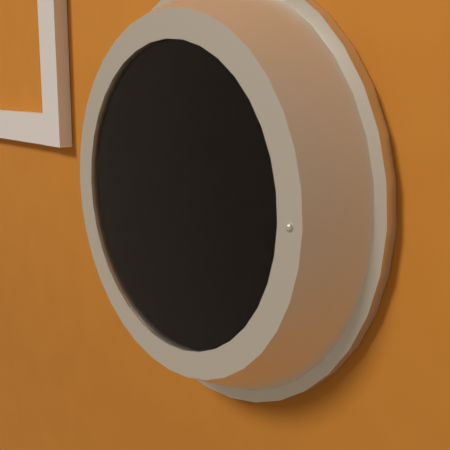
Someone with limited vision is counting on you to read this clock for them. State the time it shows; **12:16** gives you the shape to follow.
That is **10:04**
